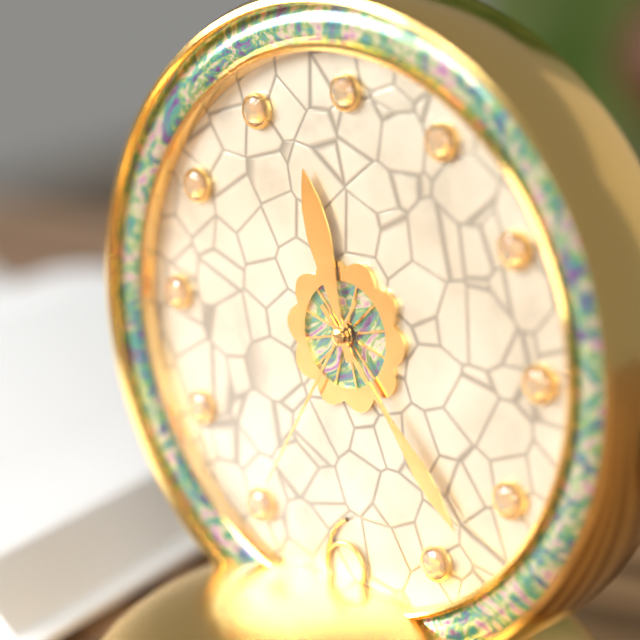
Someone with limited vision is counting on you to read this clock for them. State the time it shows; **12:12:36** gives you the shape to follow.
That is **11:23:35**
